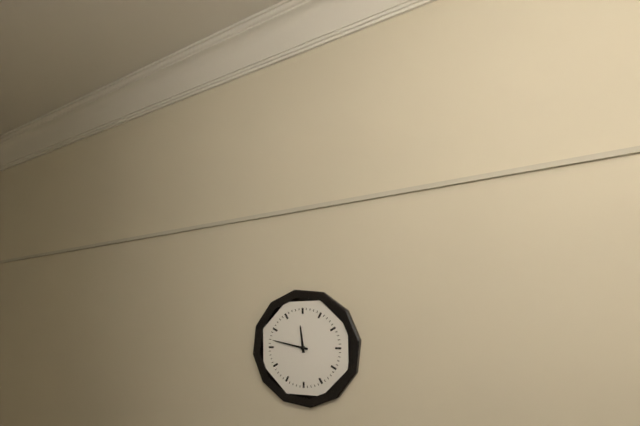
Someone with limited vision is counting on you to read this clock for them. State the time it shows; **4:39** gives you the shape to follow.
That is **11:47**
